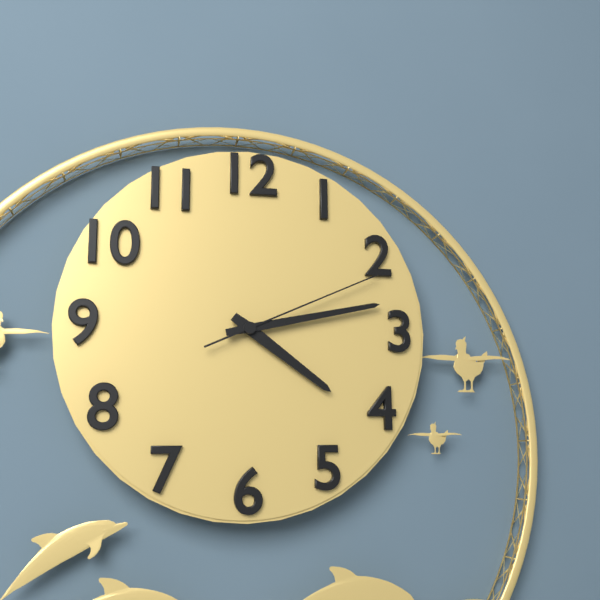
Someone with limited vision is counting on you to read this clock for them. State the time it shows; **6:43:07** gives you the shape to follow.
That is **4:13:11**
